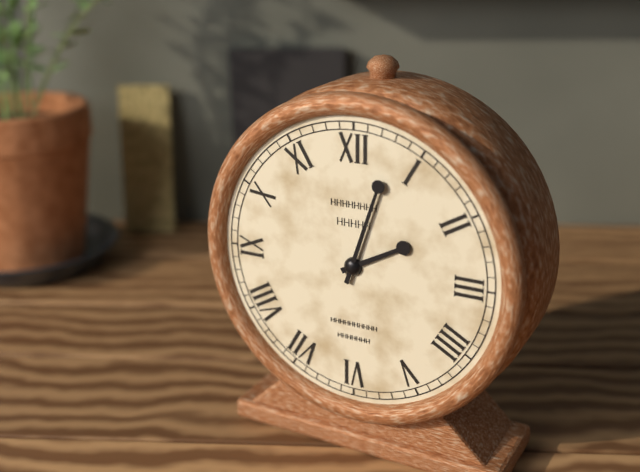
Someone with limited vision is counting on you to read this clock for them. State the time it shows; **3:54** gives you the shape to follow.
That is **2:03**
